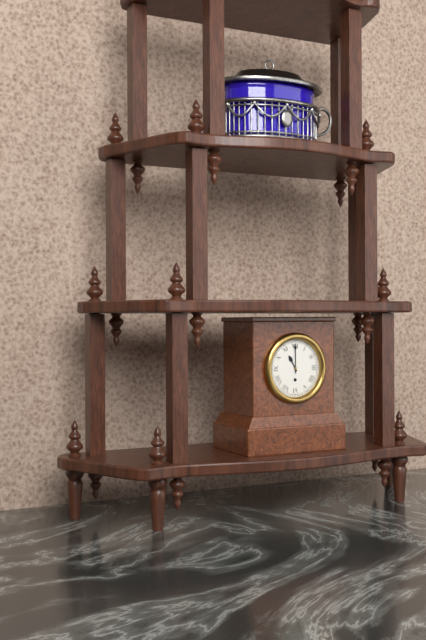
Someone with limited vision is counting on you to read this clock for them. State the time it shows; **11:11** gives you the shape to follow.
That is **11:00**
